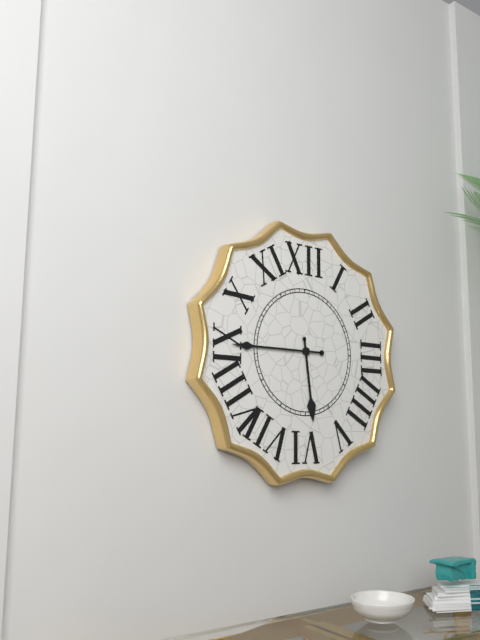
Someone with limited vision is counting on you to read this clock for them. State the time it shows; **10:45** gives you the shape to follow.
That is **5:45**
